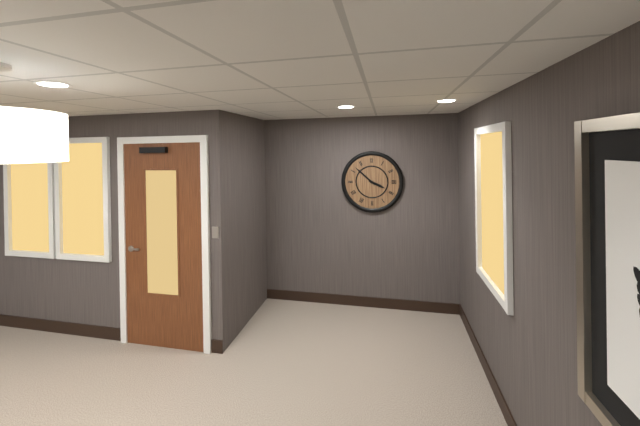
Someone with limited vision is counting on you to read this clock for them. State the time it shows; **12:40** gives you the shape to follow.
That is **3:52**
